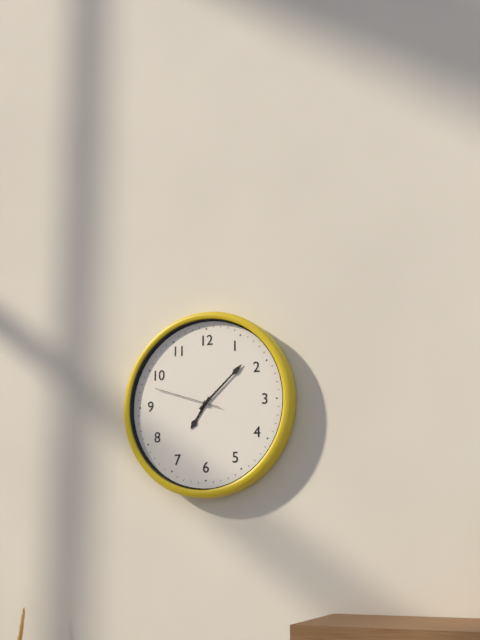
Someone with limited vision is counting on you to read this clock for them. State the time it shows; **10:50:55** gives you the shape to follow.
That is **7:08:48**
